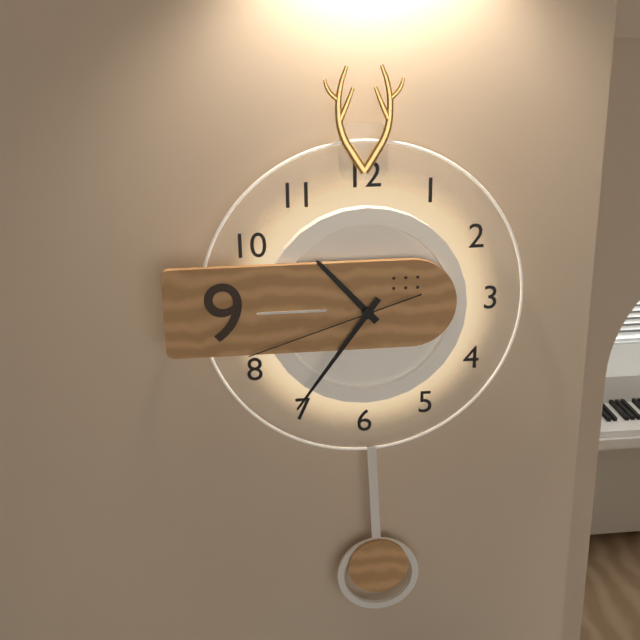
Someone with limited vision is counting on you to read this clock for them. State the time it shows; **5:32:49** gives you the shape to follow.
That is **10:36:42**
